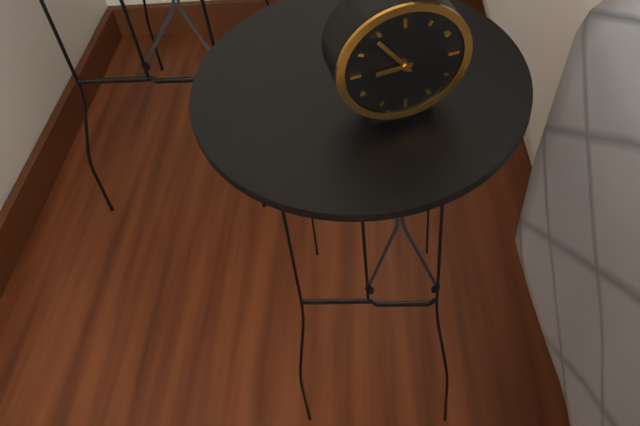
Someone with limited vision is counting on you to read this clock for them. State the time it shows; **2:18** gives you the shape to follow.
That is **8:54**
